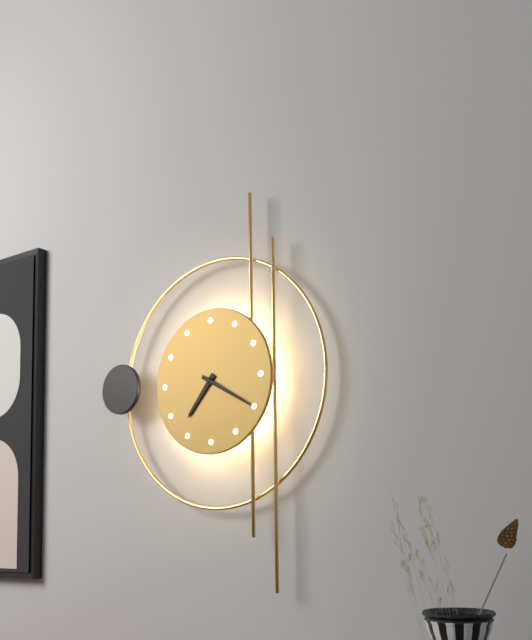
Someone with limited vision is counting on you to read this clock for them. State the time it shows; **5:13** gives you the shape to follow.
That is **7:20**
